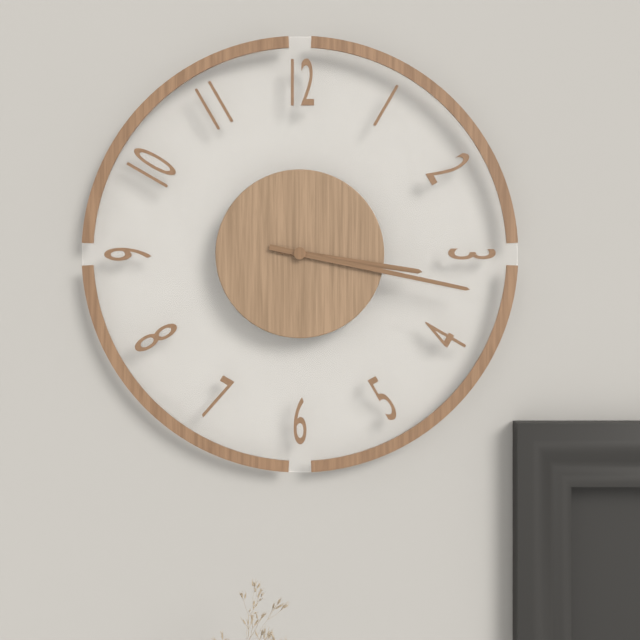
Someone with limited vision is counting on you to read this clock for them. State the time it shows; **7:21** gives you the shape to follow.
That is **3:17**
